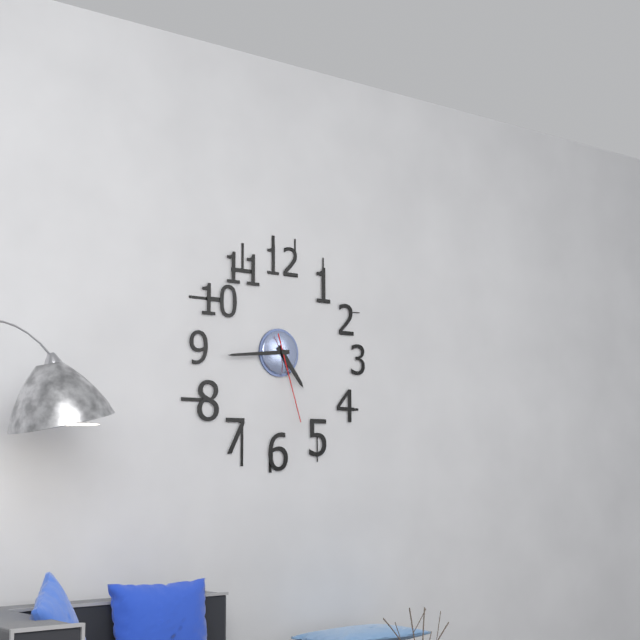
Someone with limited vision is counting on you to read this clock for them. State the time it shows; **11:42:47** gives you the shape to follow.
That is **4:44:27**
